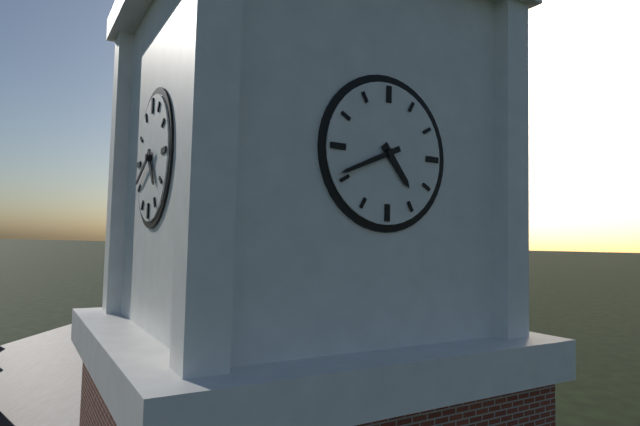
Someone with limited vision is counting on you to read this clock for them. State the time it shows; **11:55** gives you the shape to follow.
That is **4:41**
